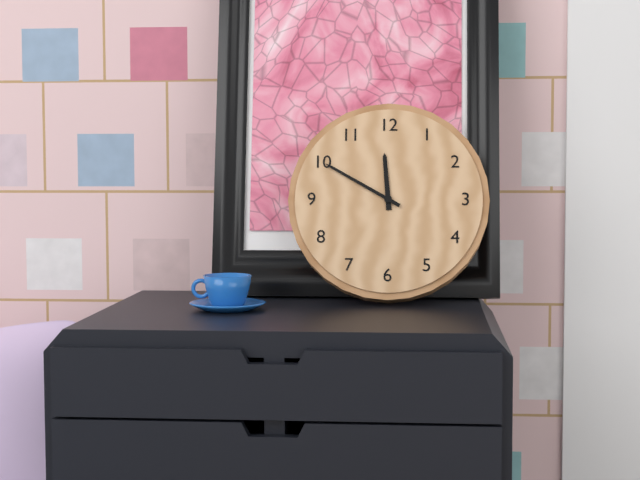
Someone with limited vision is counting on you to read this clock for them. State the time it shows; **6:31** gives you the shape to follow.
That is **11:50**
